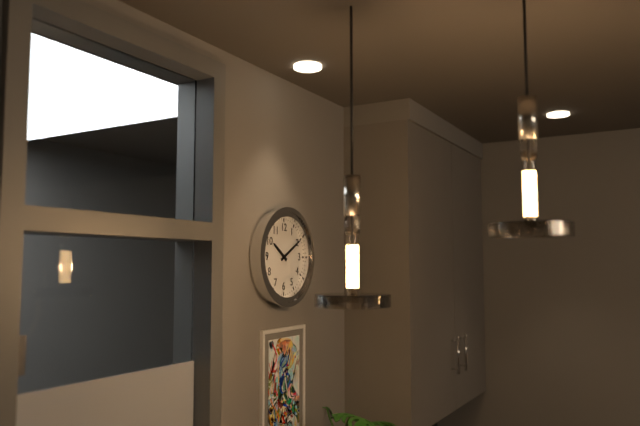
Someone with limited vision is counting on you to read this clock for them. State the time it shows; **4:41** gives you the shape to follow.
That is **10:10**
